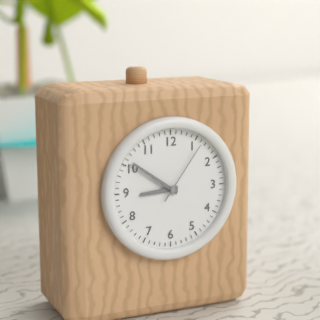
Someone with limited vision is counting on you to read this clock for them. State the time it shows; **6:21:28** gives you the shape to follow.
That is **8:51:06**
